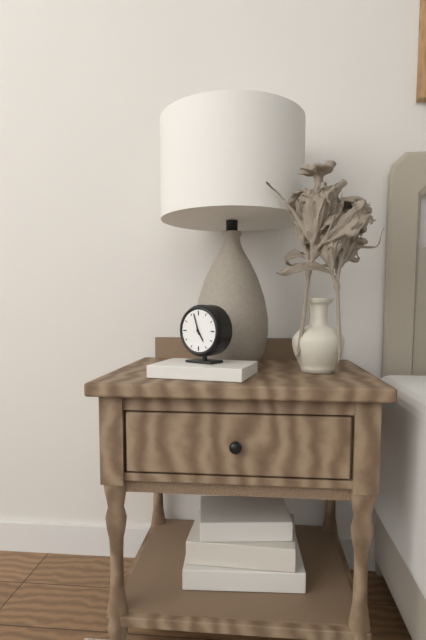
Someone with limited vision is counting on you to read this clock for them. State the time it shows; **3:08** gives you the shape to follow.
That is **4:57**
